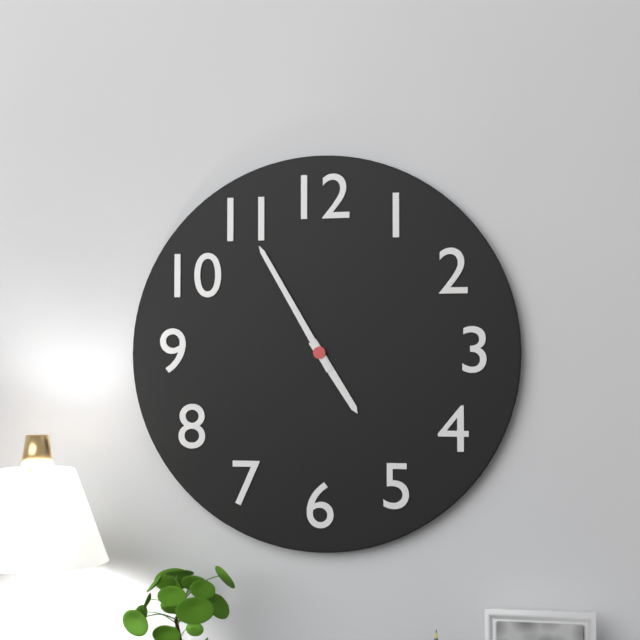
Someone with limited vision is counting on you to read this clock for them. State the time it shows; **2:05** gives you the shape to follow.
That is **4:55**
